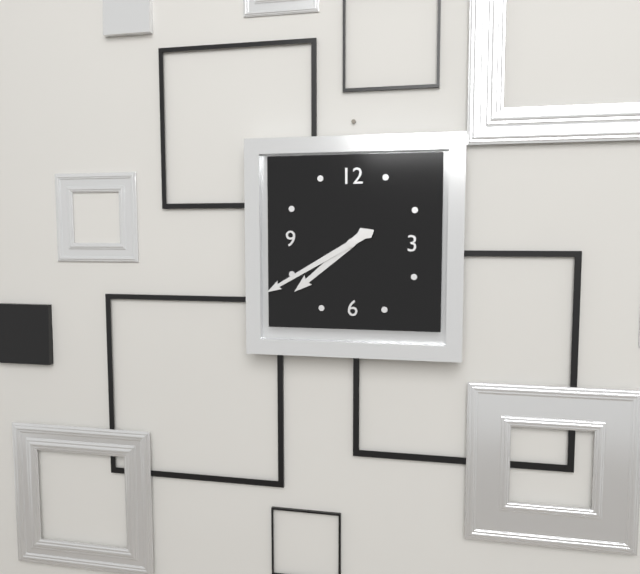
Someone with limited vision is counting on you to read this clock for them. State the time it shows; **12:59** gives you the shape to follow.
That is **7:40**
